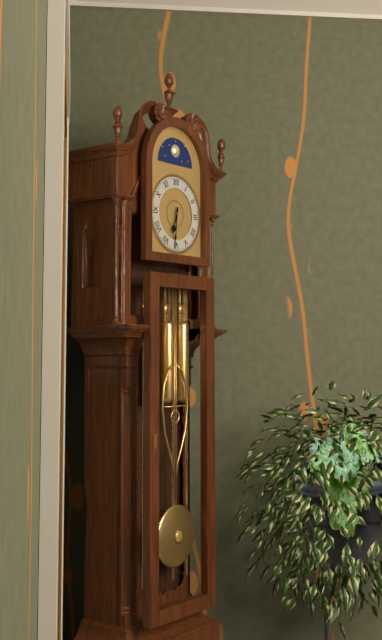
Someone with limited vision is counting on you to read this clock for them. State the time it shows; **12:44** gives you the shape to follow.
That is **6:31**
